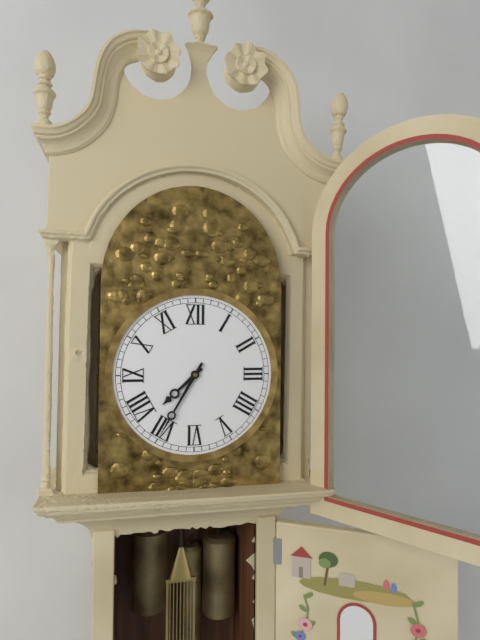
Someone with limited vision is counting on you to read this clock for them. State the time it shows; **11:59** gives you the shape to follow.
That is **7:35**
